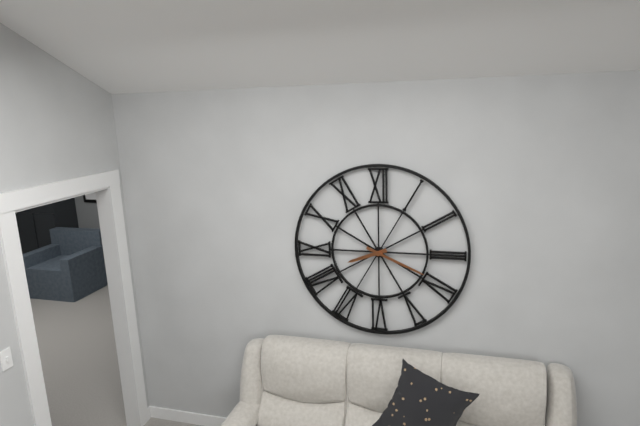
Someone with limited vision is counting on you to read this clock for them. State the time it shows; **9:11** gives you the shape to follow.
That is **8:19**
